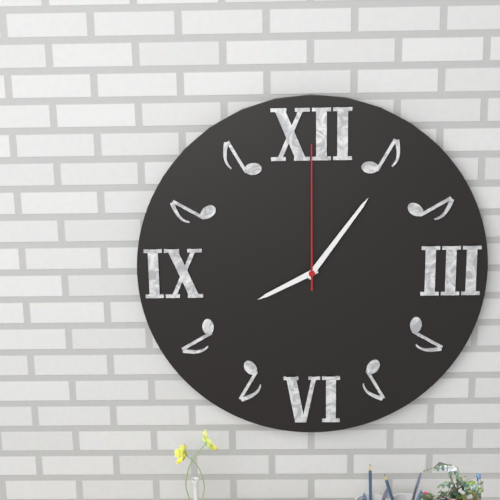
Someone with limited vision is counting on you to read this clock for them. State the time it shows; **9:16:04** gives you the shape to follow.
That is **8:06:00**
